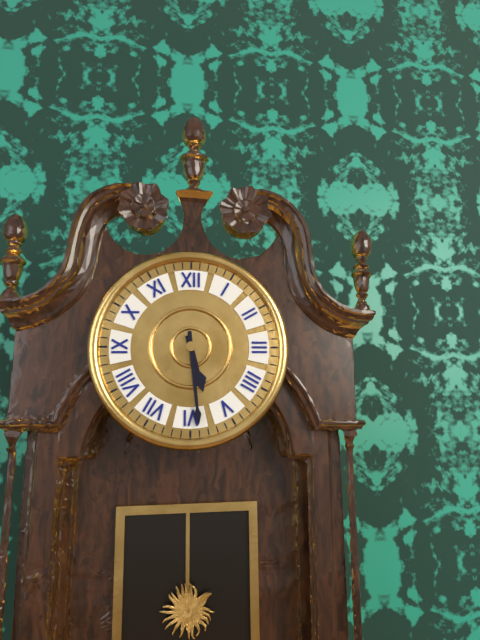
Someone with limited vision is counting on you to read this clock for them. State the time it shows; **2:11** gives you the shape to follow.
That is **5:29**
